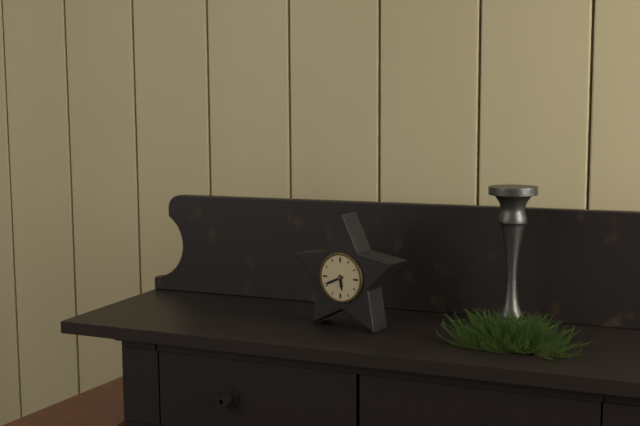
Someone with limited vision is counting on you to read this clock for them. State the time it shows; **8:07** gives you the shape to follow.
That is **5:41**
